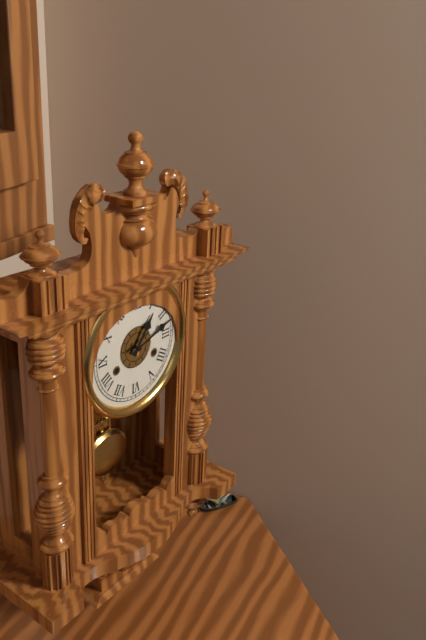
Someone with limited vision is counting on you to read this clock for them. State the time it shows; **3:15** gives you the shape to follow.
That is **1:12**
